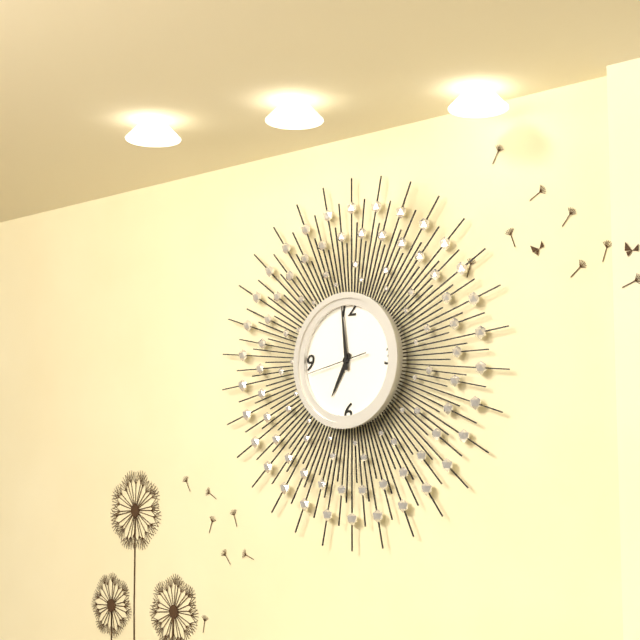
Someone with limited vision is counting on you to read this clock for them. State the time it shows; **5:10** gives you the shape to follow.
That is **6:59**
